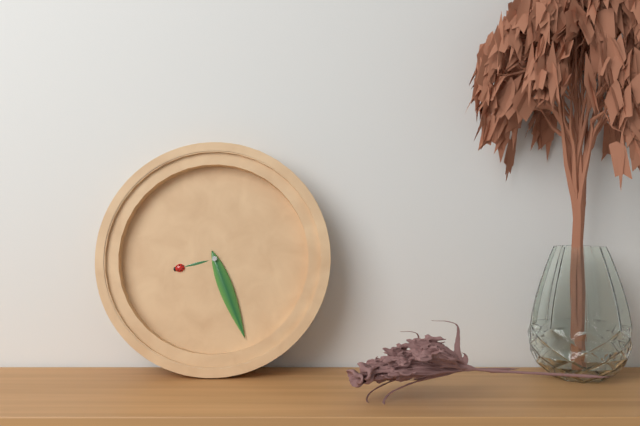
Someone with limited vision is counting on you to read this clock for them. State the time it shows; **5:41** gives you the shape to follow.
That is **8:26**
